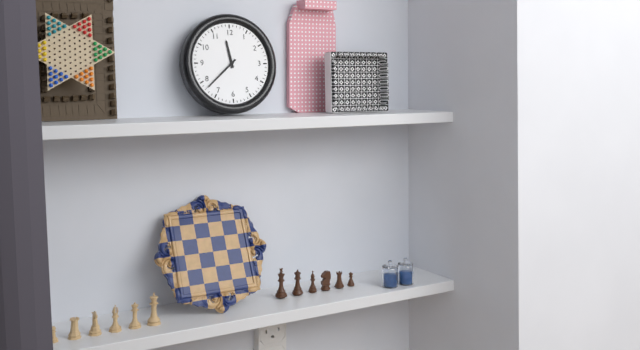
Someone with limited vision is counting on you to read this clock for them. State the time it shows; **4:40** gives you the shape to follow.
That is **11:38**
